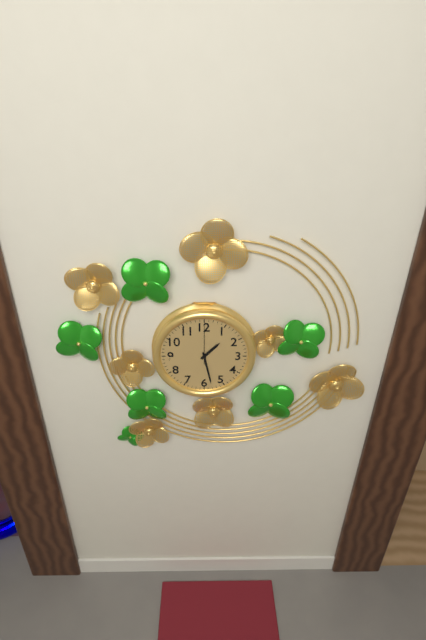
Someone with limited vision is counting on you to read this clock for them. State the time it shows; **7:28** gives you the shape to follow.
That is **1:28**
